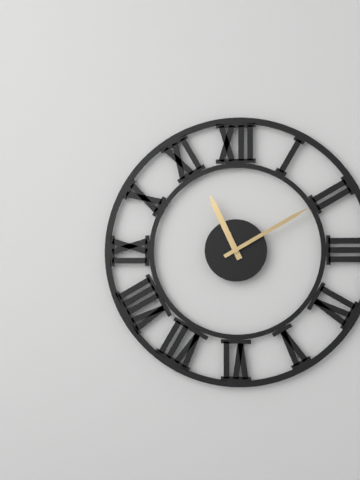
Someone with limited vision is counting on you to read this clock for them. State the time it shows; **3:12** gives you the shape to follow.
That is **11:10**
